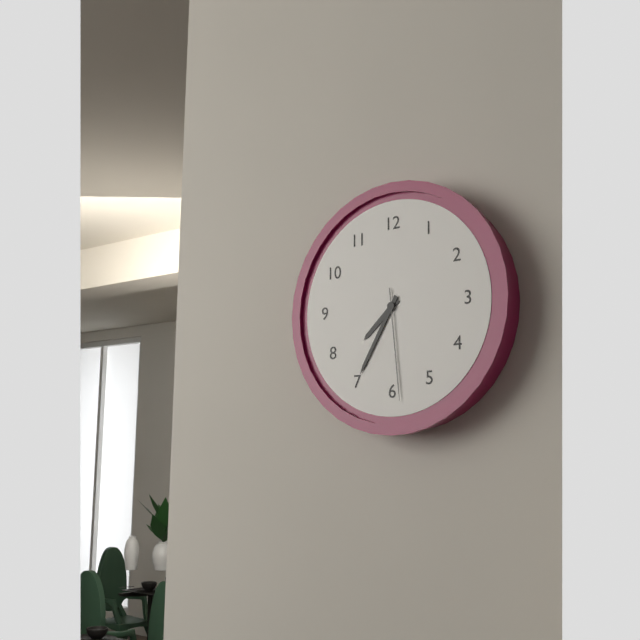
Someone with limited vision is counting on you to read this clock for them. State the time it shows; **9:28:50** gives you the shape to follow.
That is **7:35:29**
